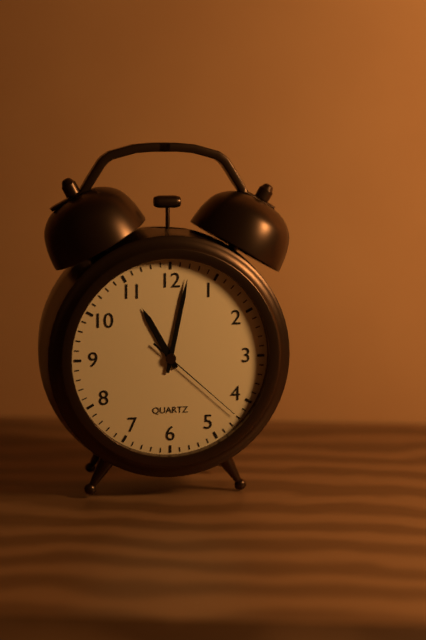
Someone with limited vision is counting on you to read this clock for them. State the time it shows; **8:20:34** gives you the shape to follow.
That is **11:02:22**
